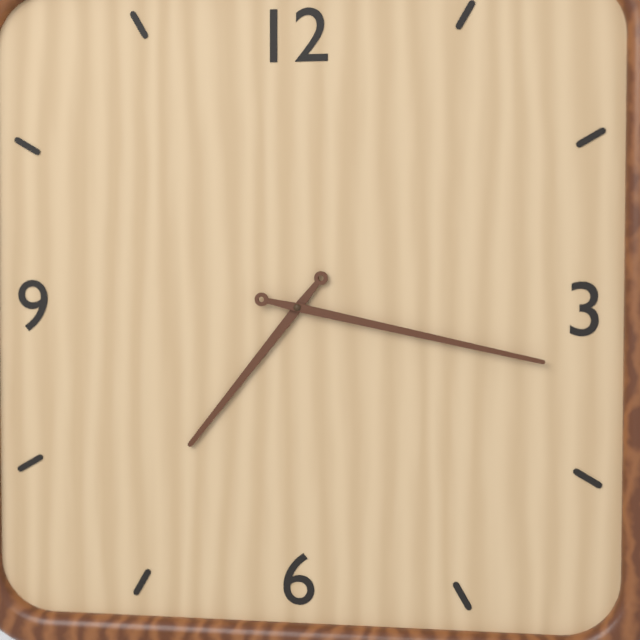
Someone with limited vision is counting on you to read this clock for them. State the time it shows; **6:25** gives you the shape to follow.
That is **7:17**
